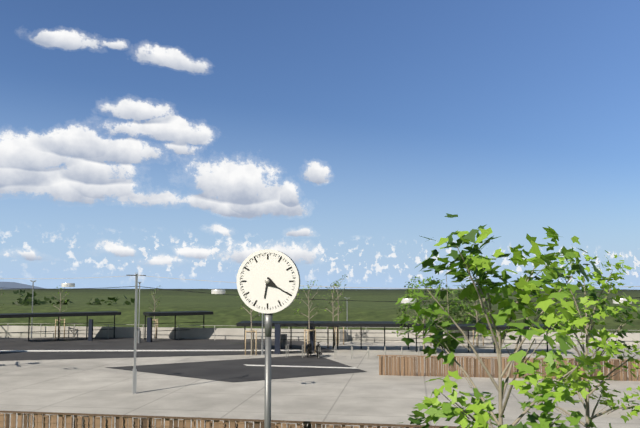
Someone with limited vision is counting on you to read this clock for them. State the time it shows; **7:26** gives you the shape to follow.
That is **6:20**
